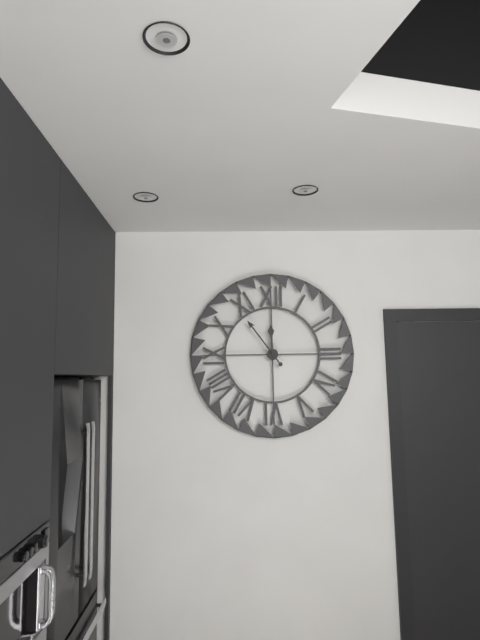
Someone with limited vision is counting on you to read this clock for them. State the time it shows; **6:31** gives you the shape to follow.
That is **11:54**
